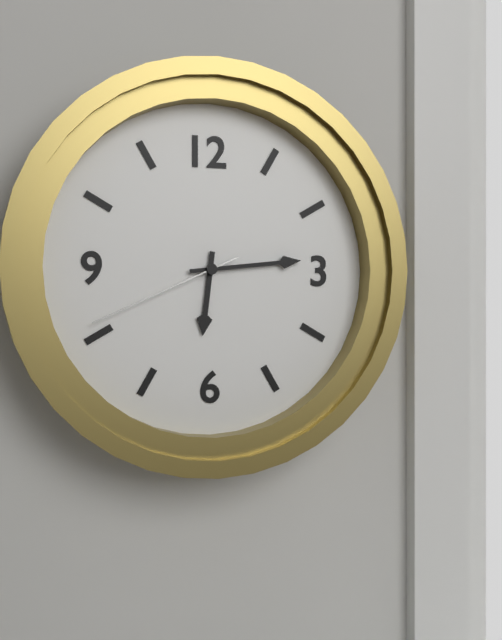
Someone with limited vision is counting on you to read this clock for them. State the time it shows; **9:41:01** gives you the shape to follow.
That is **6:14:41**
